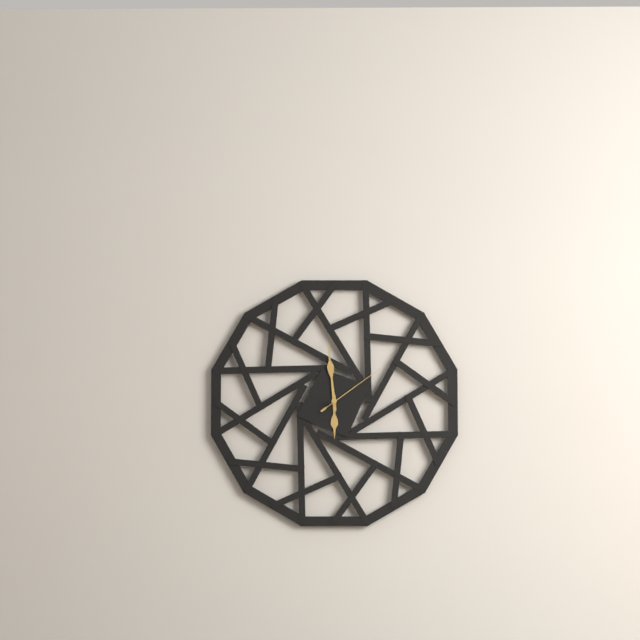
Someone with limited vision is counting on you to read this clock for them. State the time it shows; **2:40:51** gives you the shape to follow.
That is **5:59:09**
